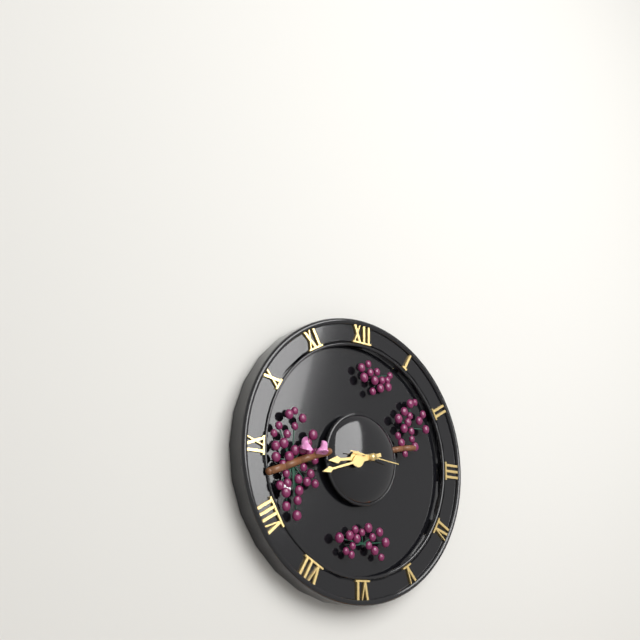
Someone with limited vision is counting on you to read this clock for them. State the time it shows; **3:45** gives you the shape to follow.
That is **8:42**
